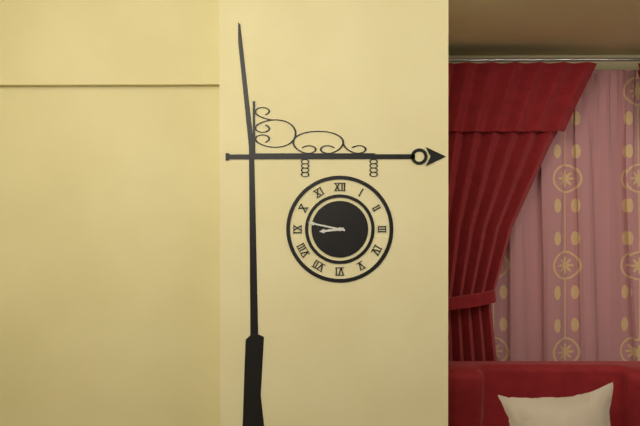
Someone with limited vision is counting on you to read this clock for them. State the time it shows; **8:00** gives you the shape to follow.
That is **8:47**
